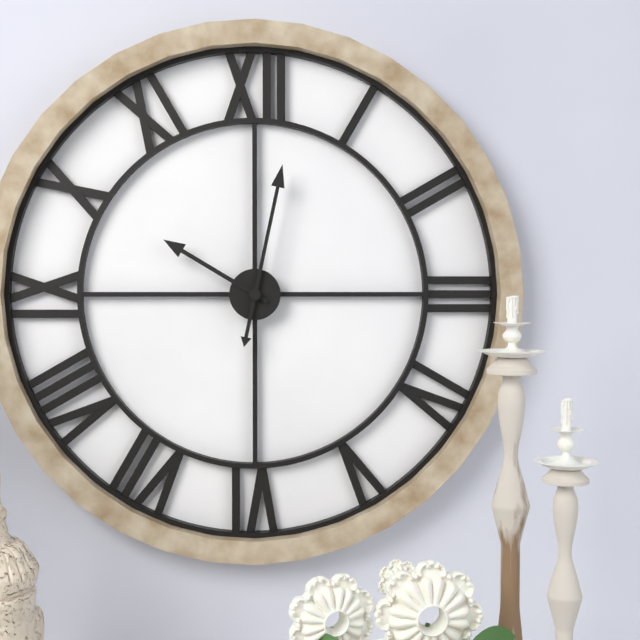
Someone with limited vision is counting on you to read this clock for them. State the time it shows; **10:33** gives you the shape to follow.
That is **10:02**
